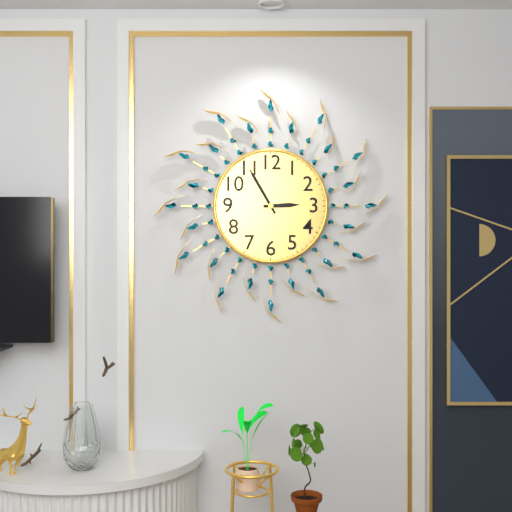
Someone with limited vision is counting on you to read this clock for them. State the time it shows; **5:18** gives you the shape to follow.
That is **2:55**
